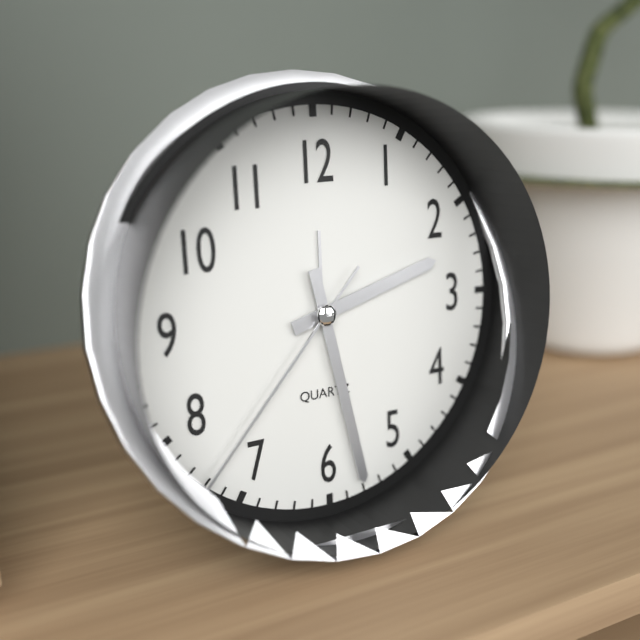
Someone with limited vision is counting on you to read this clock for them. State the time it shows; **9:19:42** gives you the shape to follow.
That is **2:28:37**
